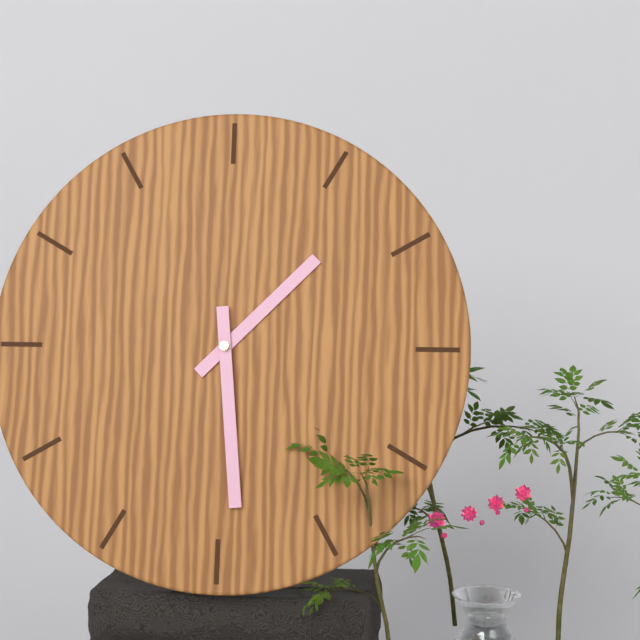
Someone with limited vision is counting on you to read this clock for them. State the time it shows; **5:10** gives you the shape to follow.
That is **1:29**
